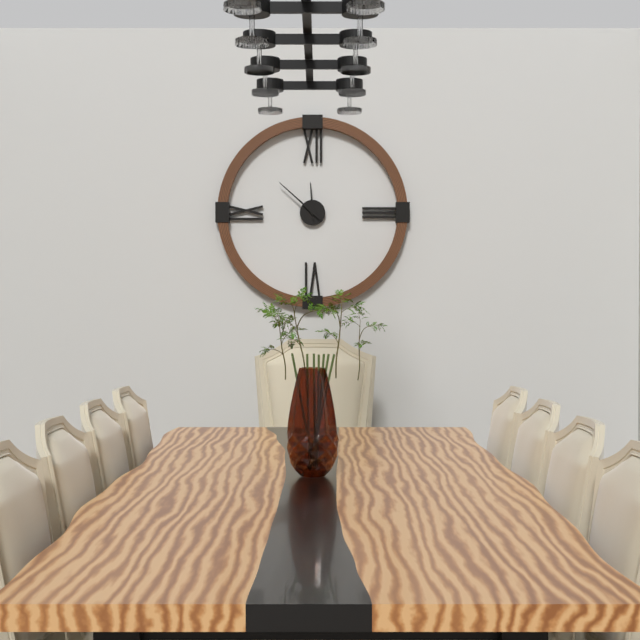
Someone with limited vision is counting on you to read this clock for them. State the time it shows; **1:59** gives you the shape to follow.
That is **11:52**
